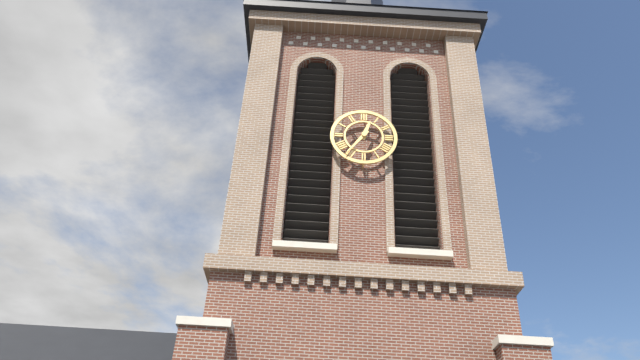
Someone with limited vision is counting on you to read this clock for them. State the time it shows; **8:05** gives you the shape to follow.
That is **12:36**
